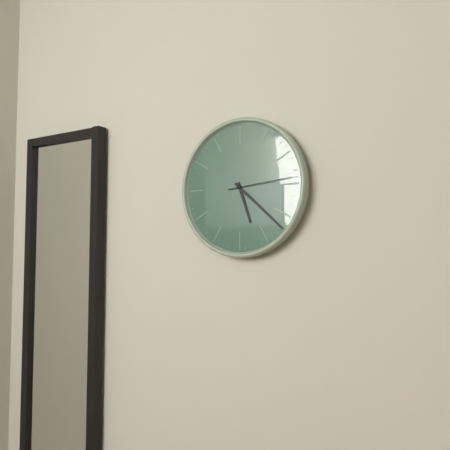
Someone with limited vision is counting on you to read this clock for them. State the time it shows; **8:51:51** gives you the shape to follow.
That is **5:22:14**
